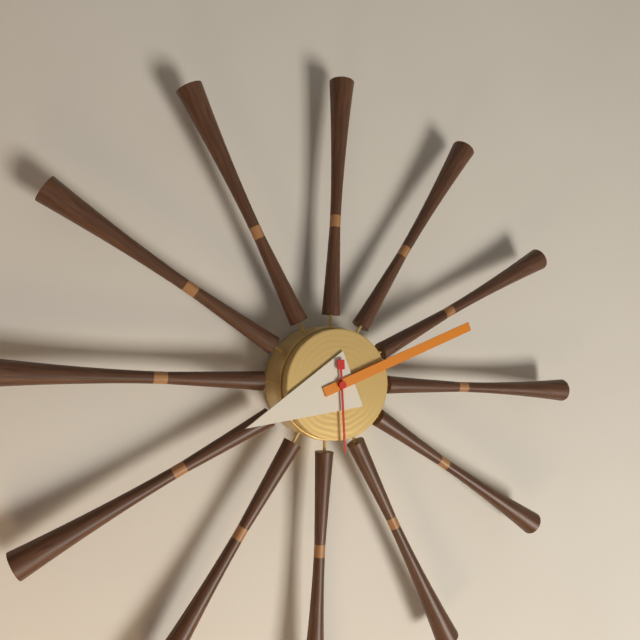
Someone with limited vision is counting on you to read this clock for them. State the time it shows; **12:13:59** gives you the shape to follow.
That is **8:11:29**
